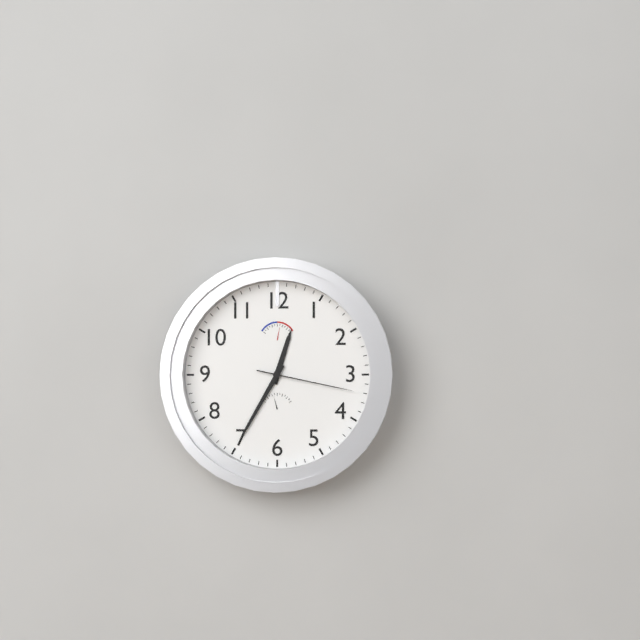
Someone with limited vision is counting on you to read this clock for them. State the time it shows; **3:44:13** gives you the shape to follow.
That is **12:35:17**
